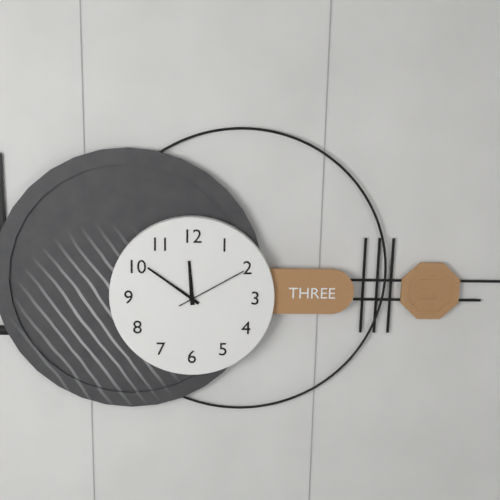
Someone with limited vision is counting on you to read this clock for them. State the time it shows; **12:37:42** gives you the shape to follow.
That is **11:51:10**
